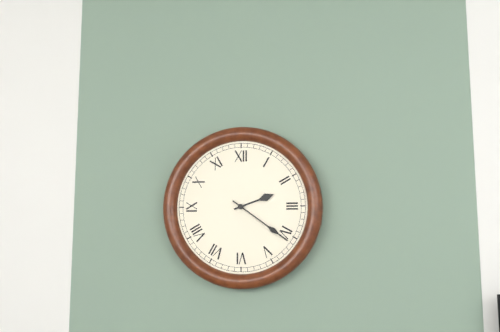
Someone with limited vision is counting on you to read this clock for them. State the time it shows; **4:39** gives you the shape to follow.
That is **2:21**
